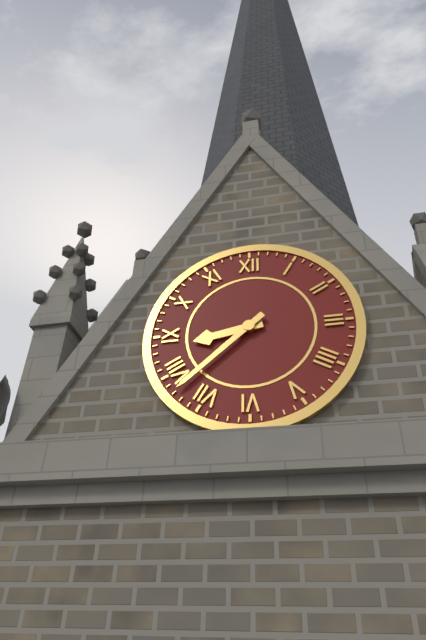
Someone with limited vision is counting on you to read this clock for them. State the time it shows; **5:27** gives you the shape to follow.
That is **8:38**
